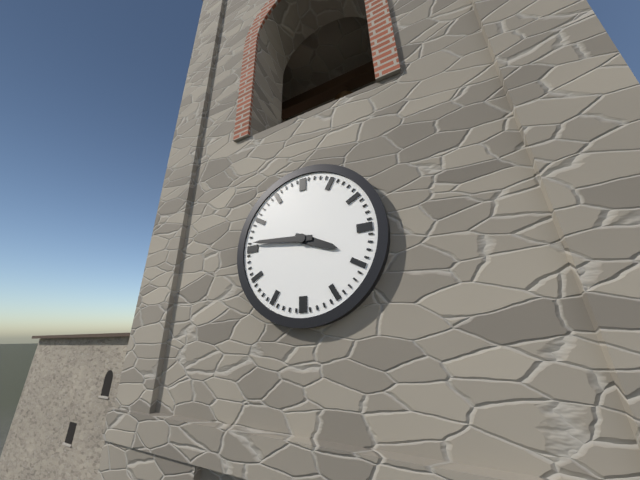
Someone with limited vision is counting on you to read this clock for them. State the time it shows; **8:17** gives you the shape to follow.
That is **3:46**
